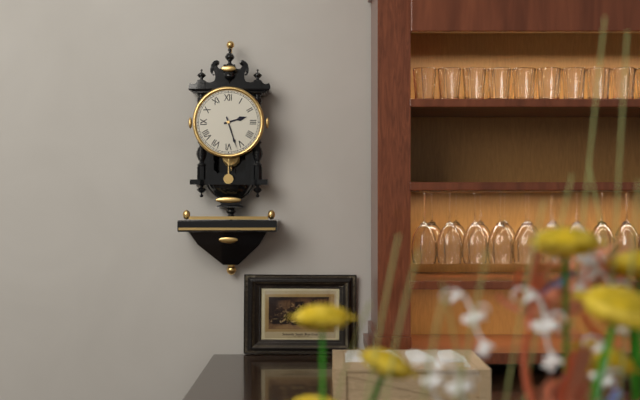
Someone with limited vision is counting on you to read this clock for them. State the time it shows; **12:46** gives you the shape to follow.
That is **2:27**
